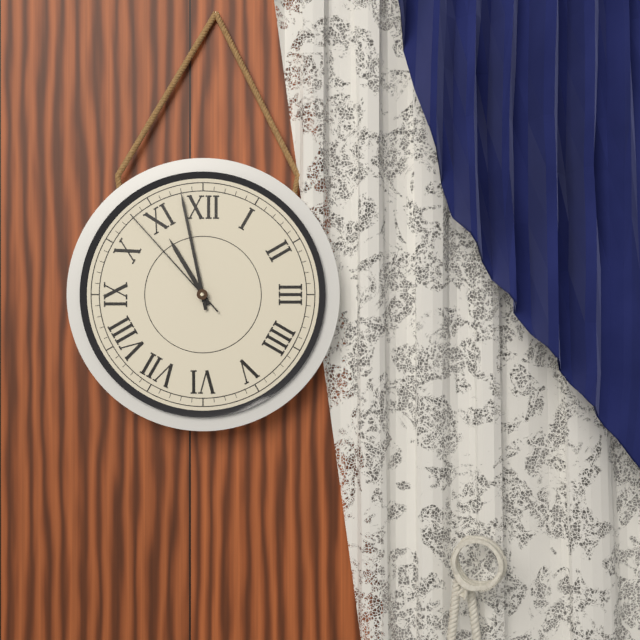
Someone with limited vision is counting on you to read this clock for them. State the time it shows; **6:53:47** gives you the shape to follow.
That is **10:58:53**
